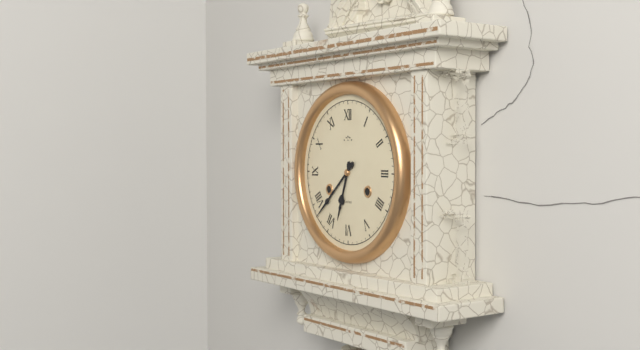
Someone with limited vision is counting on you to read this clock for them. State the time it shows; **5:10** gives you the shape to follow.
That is **6:38**
